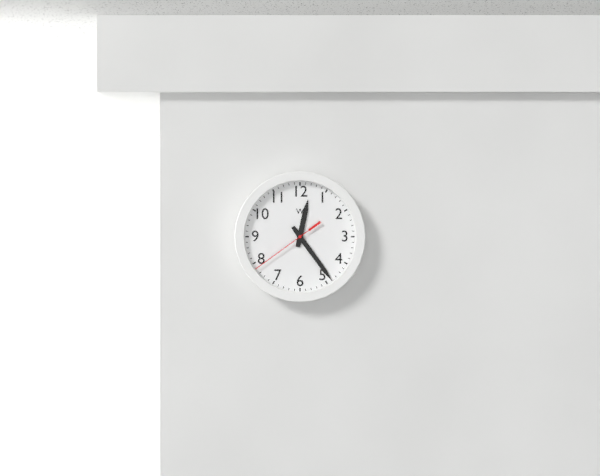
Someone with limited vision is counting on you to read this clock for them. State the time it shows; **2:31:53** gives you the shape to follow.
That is **12:24:39**
